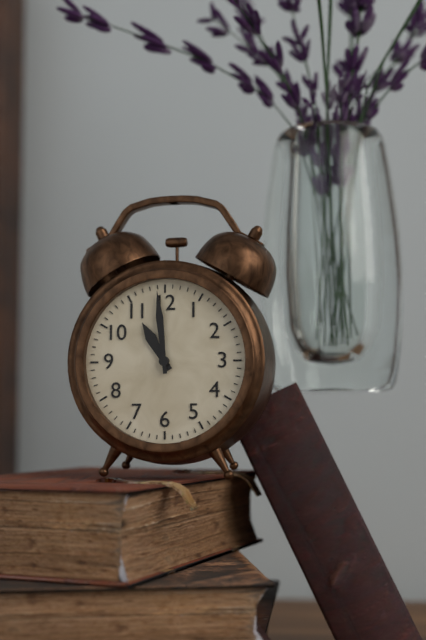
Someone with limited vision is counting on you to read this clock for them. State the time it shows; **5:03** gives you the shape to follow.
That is **10:59**
